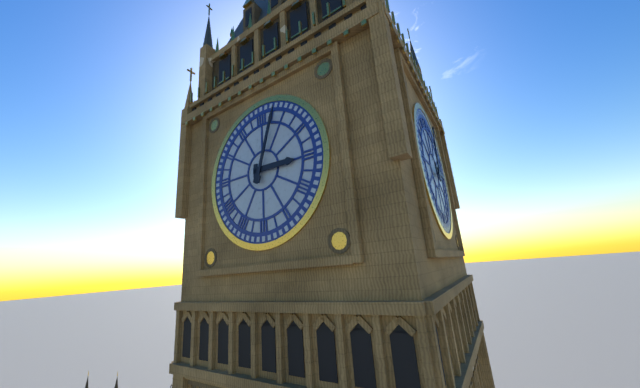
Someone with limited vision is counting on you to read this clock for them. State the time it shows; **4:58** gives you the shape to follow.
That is **3:03**
